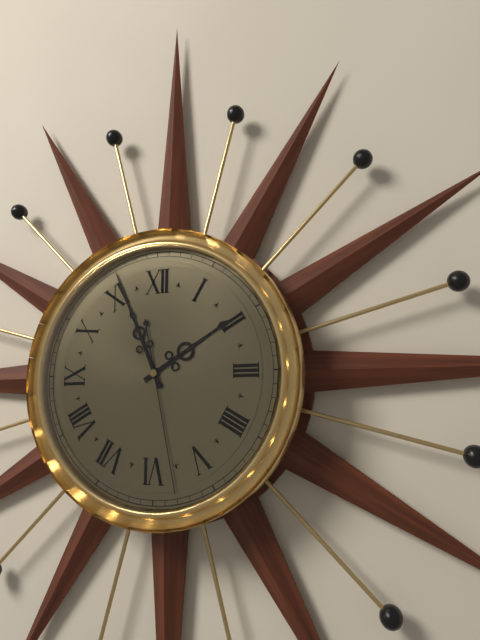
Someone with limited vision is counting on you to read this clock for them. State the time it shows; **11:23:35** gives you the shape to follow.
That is **1:56:28**
